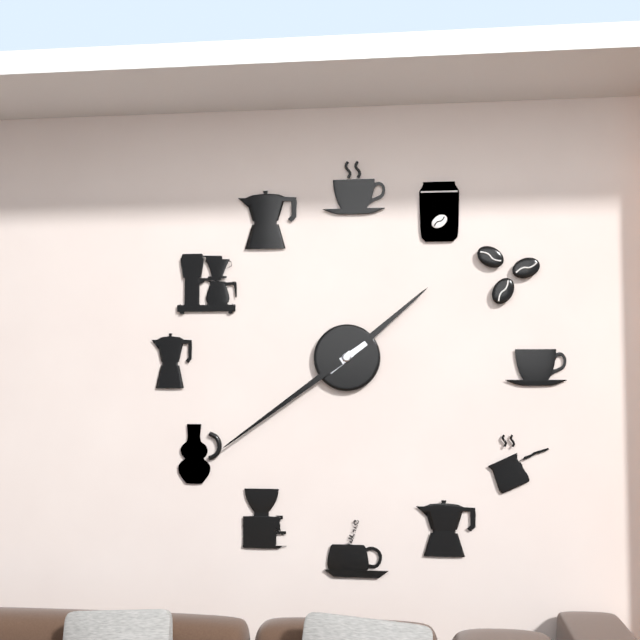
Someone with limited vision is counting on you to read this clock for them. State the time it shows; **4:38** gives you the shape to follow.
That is **1:39**
